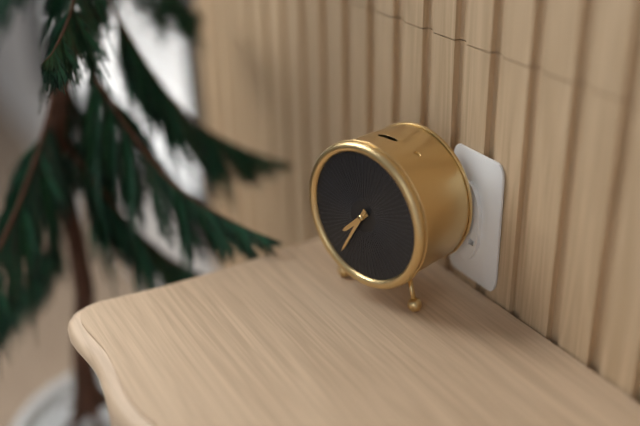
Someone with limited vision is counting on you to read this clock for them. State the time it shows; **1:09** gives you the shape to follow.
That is **7:35**
